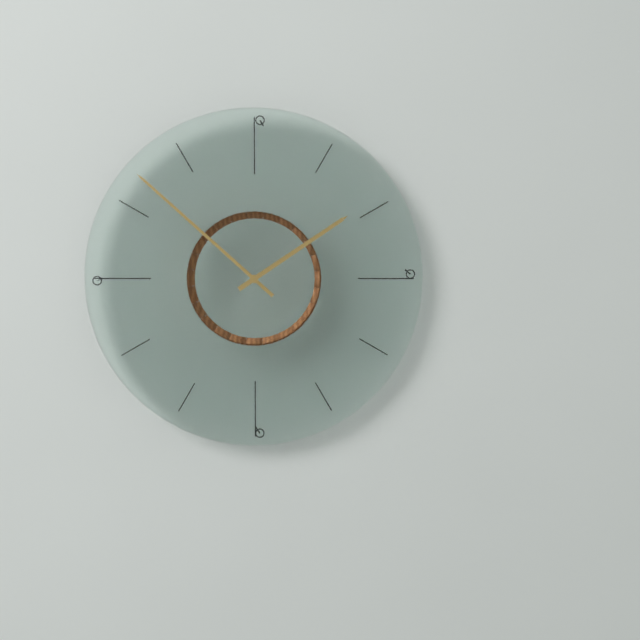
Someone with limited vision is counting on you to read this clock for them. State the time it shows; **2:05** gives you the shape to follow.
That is **1:52**
